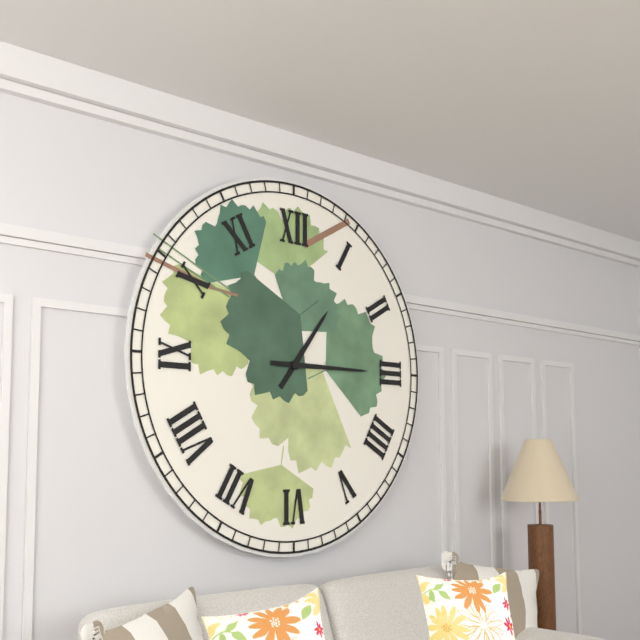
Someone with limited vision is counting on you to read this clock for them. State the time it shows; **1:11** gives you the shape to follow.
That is **1:15**
